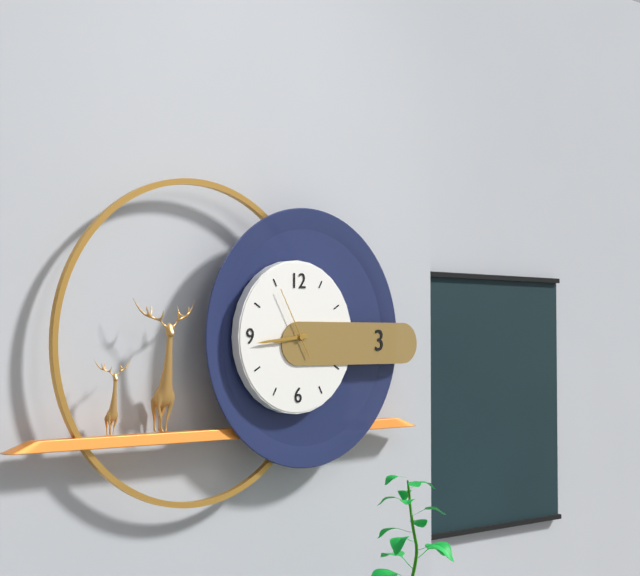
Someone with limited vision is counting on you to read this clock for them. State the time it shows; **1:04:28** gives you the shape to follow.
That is **8:44:55**
